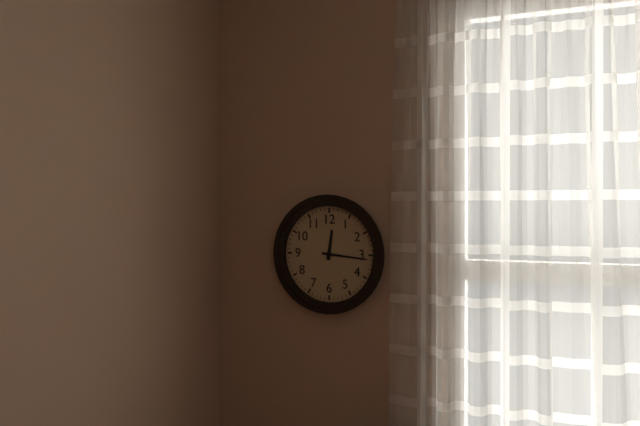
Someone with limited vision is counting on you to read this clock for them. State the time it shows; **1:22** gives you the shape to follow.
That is **12:16**
